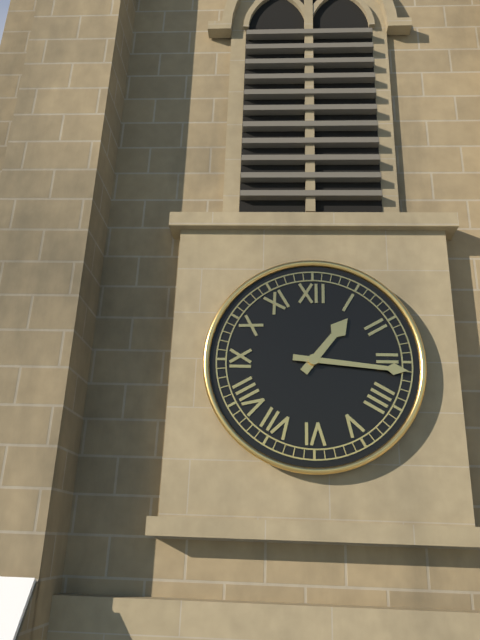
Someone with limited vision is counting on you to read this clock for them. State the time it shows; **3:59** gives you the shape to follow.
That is **1:16**
